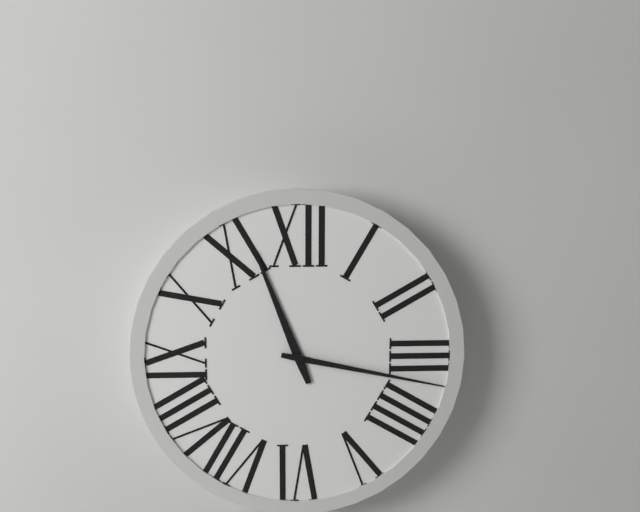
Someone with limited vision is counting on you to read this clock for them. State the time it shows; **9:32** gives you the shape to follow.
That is **11:17**
